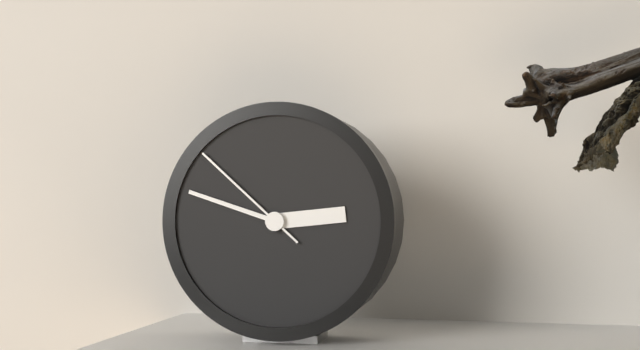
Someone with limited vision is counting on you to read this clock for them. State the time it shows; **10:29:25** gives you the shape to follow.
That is **2:48:52**
